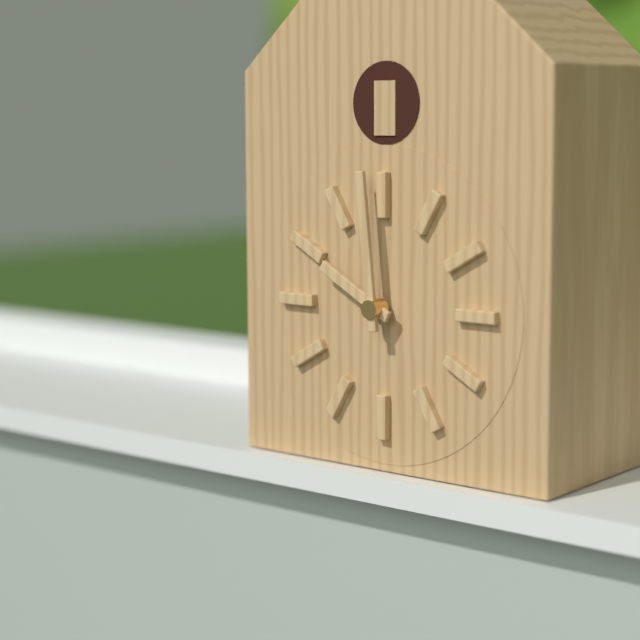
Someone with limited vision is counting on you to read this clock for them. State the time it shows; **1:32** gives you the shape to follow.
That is **9:59**
